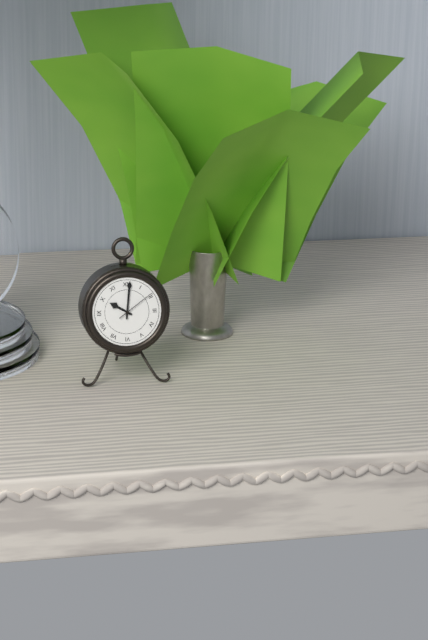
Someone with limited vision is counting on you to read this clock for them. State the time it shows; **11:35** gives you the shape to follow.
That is **10:01**
